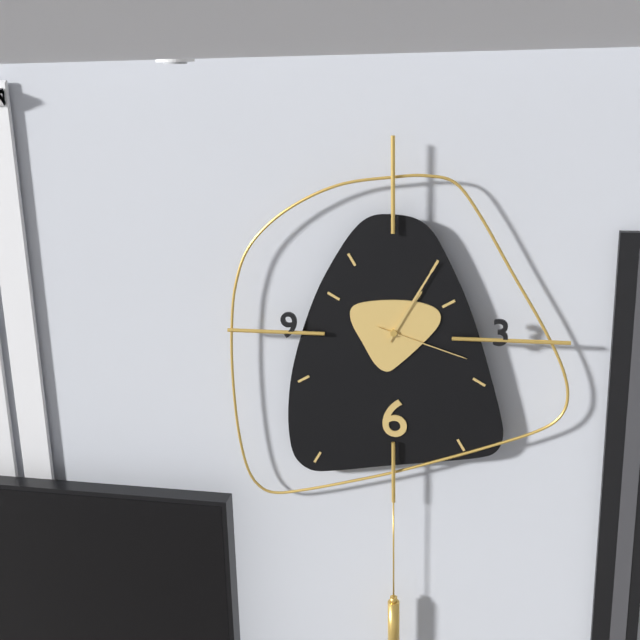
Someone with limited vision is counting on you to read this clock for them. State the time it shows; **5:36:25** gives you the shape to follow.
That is **1:05:18**
